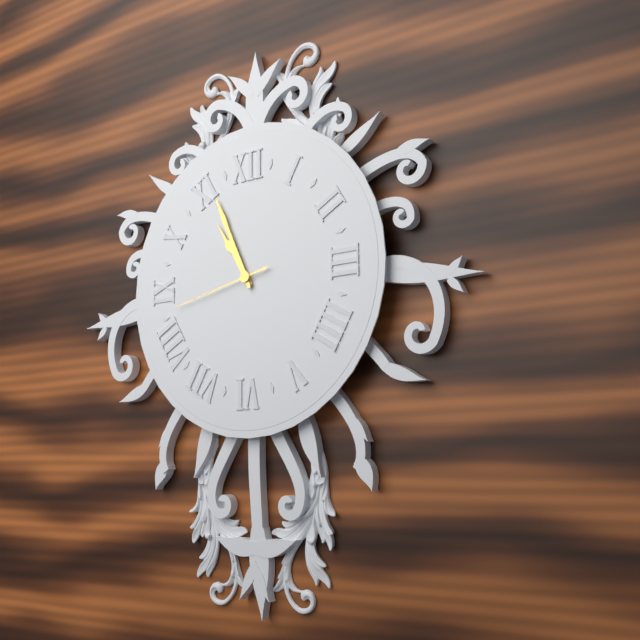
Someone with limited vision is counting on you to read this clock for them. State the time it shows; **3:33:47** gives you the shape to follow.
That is **10:56:43**
